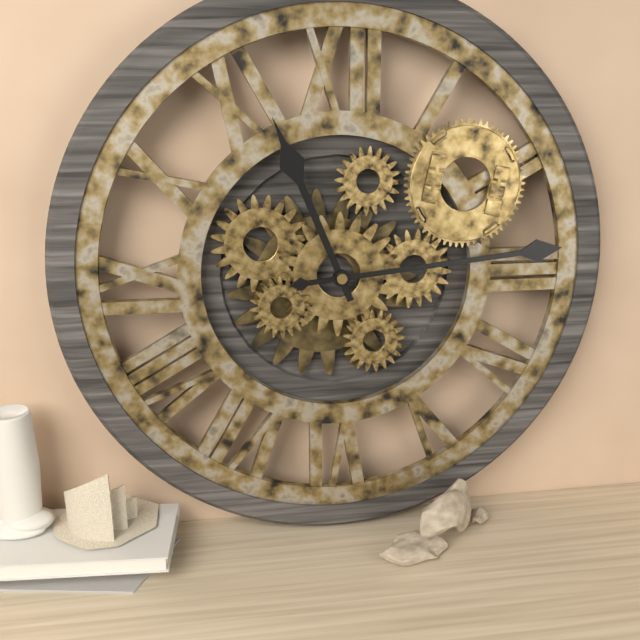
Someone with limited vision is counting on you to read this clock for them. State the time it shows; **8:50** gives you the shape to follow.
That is **11:14**
